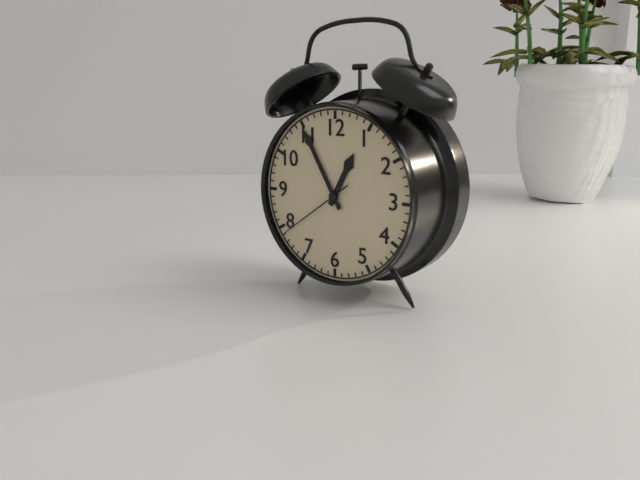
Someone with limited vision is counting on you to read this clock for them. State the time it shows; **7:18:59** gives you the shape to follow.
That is **12:55:39**
